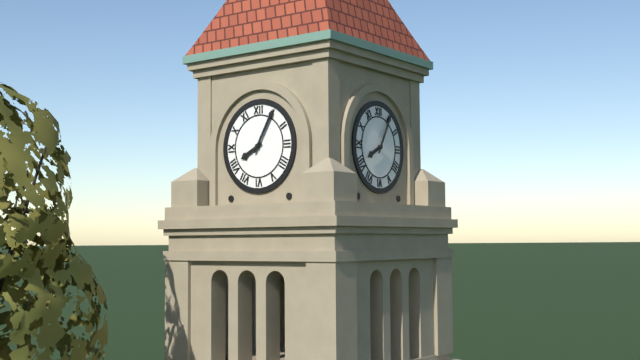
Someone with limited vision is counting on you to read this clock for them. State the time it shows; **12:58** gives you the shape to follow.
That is **8:05**
